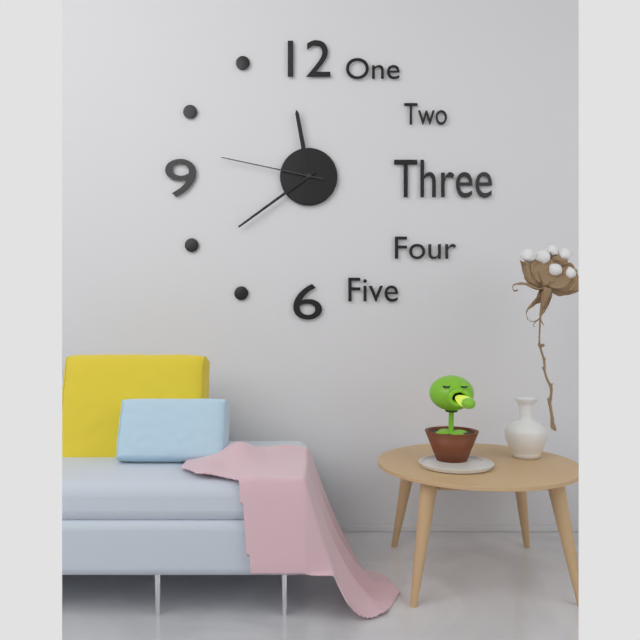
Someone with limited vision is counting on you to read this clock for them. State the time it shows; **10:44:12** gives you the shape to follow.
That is **11:39:47**
